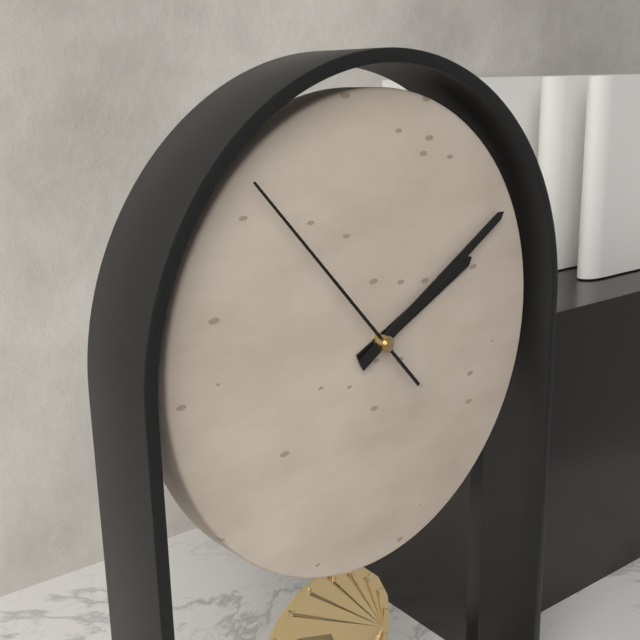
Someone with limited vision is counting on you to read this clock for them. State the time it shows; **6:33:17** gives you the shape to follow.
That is **2:10:53**
